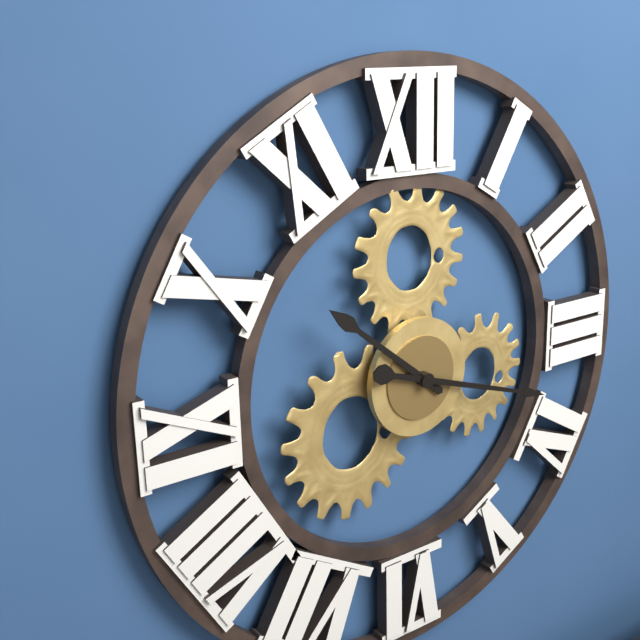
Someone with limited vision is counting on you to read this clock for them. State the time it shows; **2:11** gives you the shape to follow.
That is **10:18**
